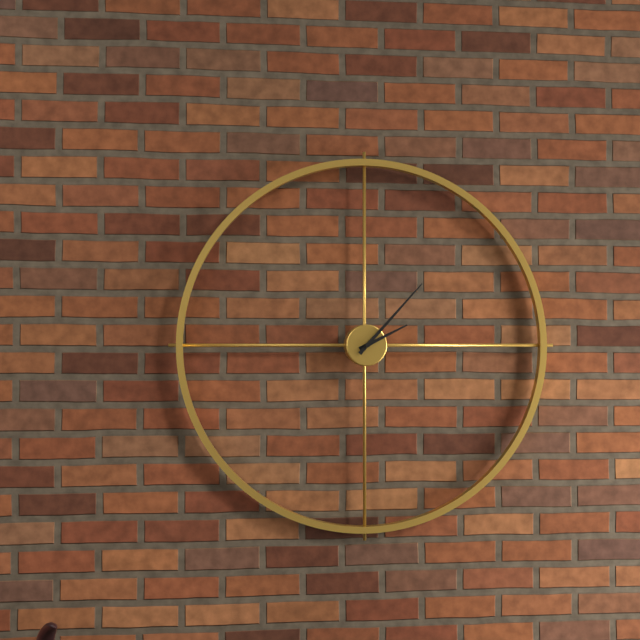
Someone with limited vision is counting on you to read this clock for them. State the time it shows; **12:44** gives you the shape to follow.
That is **2:07**
